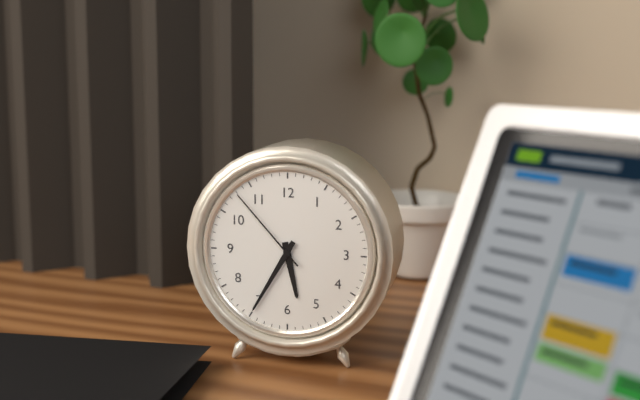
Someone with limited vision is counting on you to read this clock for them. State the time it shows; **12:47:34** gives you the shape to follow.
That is **5:35:53**
